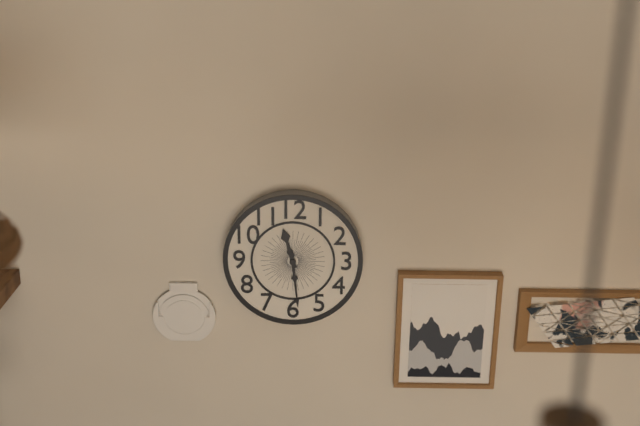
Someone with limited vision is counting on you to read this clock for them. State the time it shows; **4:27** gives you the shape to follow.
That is **11:29**
